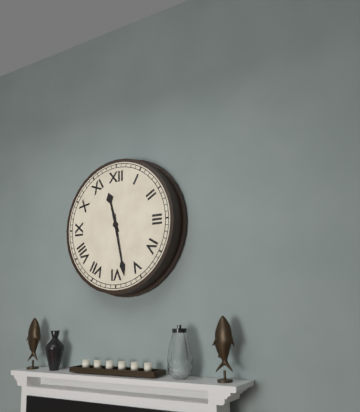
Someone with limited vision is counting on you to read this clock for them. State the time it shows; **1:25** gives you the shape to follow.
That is **11:28**
